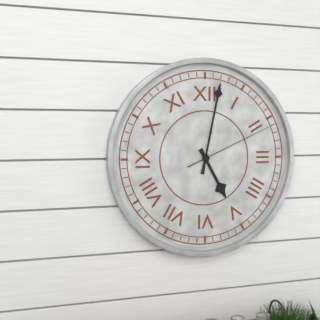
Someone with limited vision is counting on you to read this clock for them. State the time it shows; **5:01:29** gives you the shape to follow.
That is **5:02:11**
